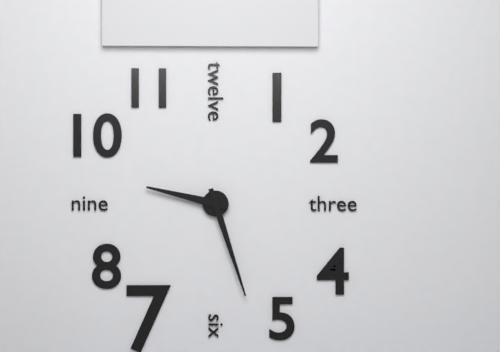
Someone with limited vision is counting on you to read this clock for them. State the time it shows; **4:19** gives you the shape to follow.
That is **9:27**
